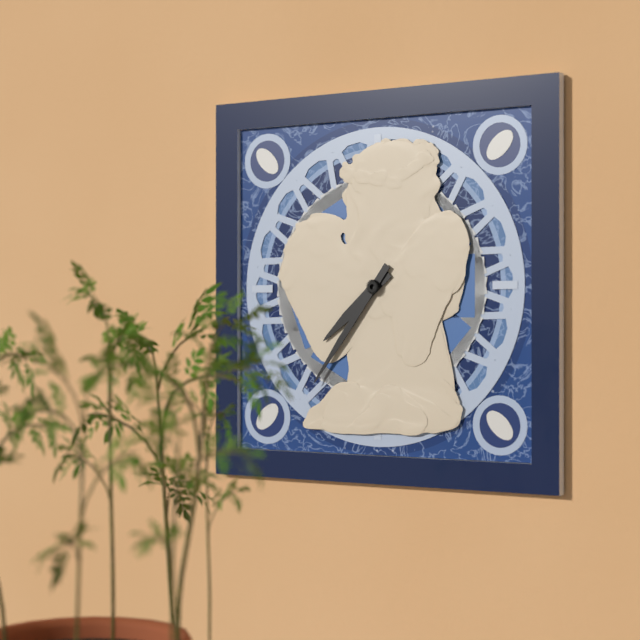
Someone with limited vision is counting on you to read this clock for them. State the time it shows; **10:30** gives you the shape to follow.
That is **7:36**
